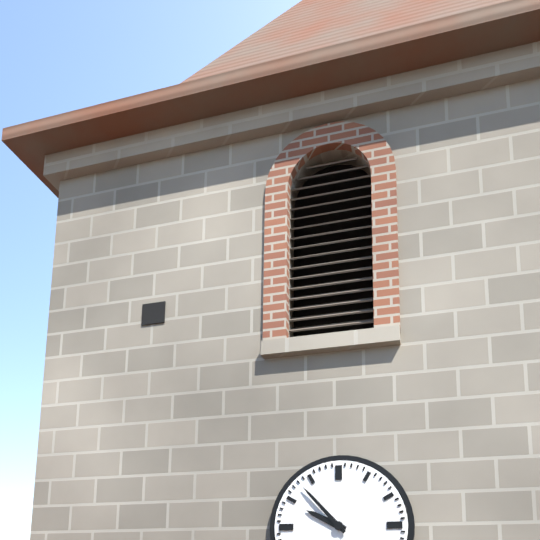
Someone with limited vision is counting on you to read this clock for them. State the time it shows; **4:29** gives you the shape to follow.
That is **9:53**
